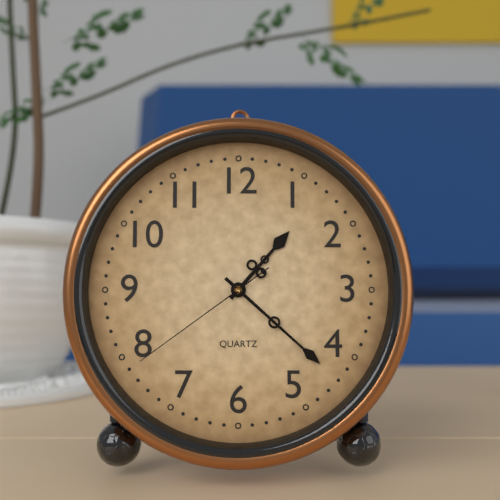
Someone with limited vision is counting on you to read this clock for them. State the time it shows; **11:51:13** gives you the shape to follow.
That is **1:22:39**
